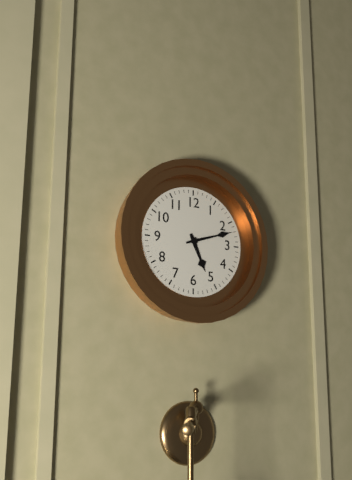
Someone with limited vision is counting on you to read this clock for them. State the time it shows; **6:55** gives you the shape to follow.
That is **5:12**
